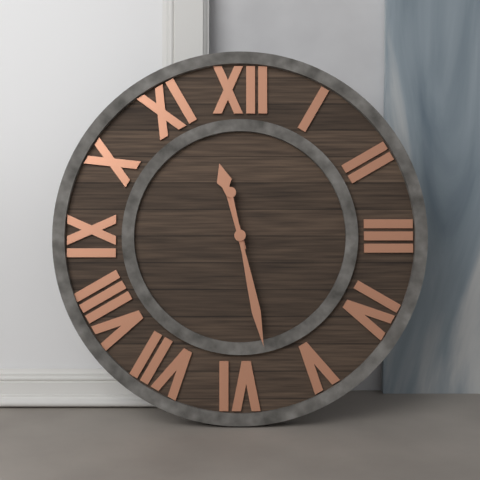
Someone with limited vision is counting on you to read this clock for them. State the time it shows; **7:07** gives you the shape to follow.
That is **11:28**
